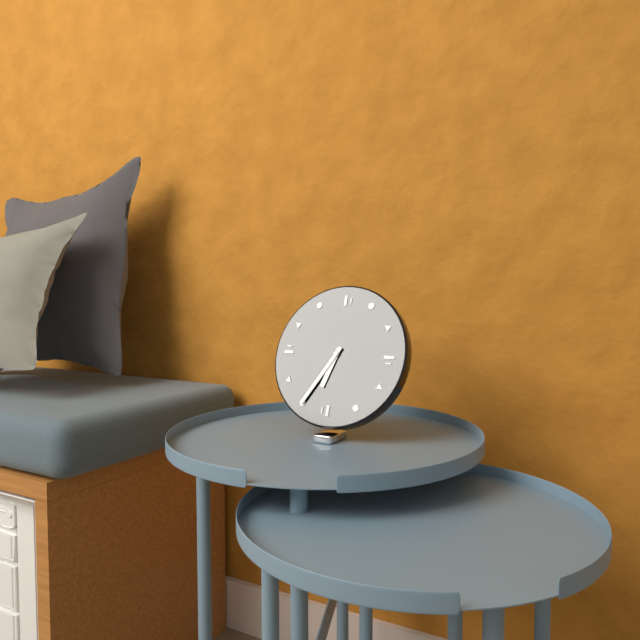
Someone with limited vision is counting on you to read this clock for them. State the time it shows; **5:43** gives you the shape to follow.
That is **6:35**
